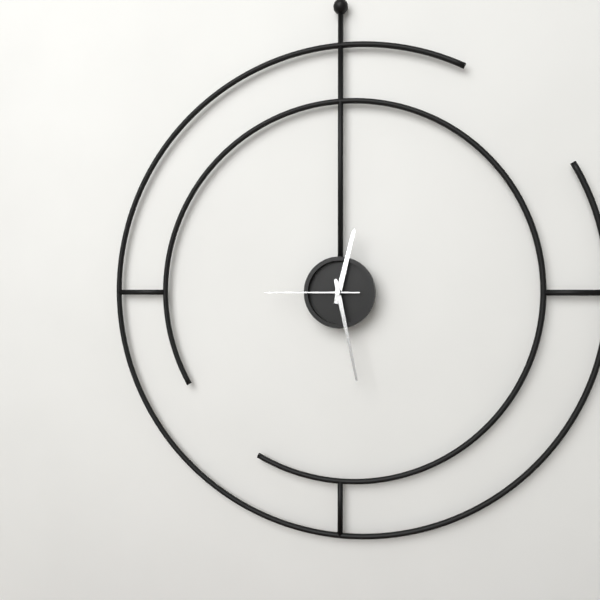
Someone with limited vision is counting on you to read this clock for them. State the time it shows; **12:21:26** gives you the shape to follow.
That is **12:28:45**
